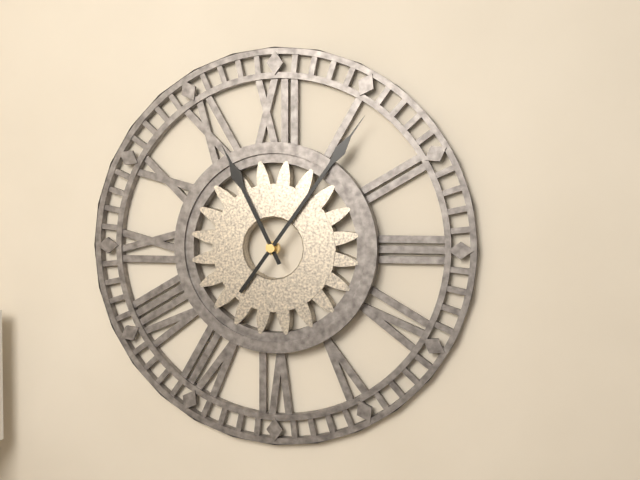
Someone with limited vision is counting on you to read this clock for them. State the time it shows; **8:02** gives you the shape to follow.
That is **11:06**
